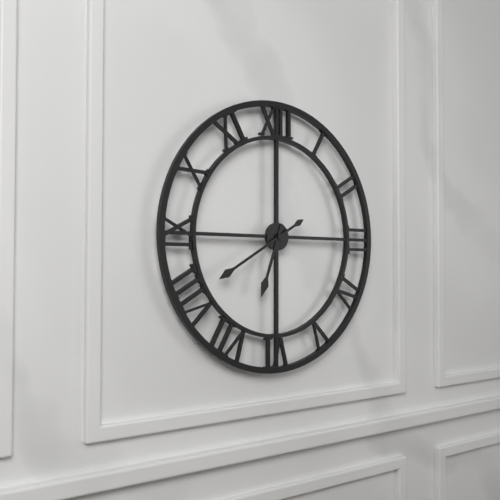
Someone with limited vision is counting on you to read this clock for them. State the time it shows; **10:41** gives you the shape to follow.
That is **6:40**
